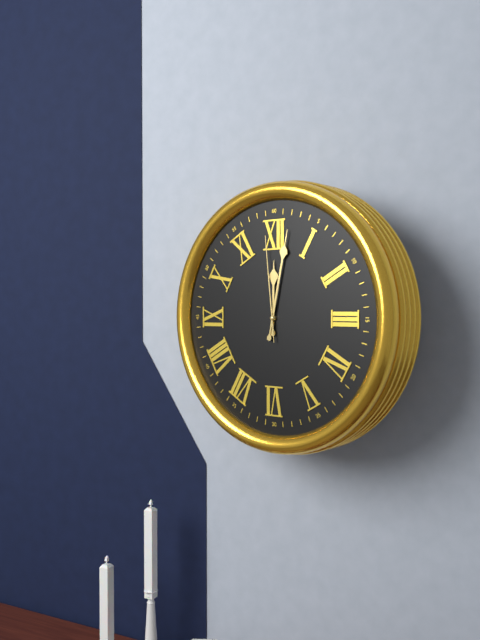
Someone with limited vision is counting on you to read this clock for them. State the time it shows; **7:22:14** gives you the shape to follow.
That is **12:02:59**
